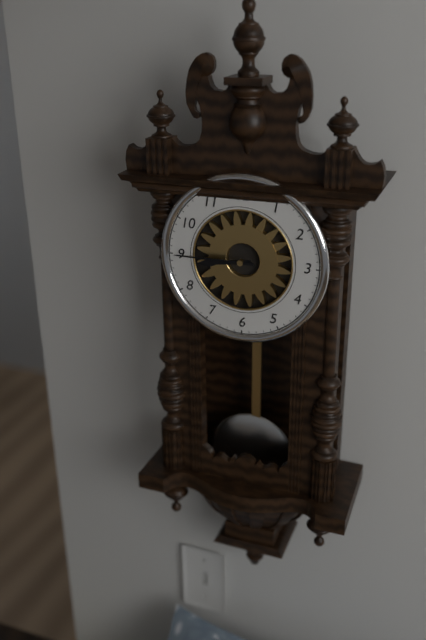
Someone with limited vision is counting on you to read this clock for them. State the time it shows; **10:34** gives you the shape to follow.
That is **8:45**
